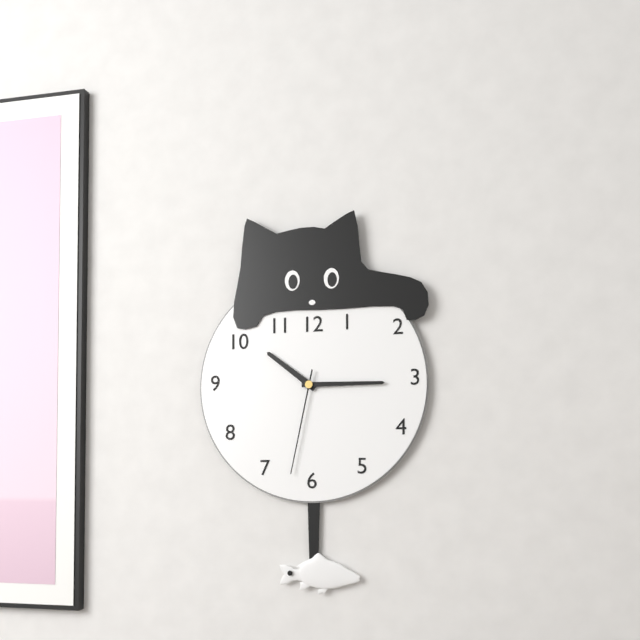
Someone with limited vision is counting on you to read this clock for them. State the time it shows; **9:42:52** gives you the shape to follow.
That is **10:15:32**
